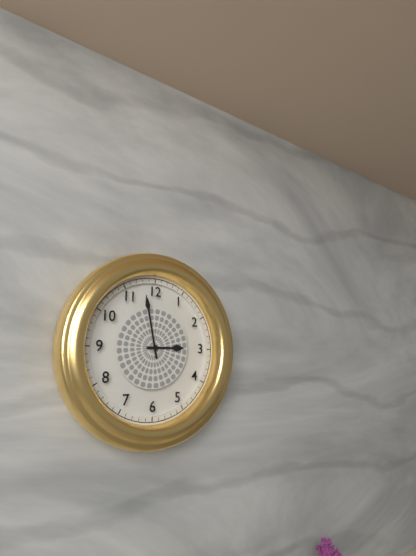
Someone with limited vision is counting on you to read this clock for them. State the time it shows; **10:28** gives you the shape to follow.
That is **2:58**
